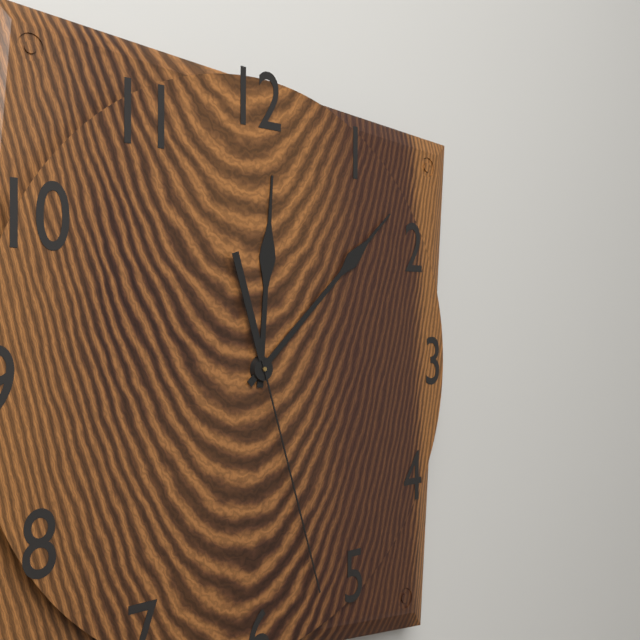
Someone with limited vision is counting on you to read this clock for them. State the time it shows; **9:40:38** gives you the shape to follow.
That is **12:08:27**
